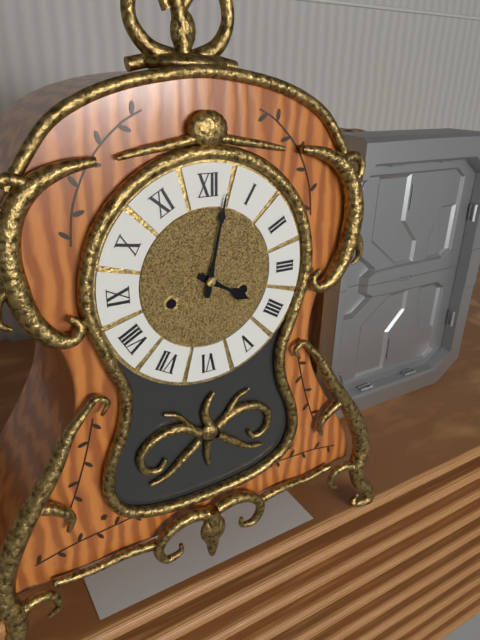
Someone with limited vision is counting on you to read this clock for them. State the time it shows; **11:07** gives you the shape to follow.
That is **4:02**
